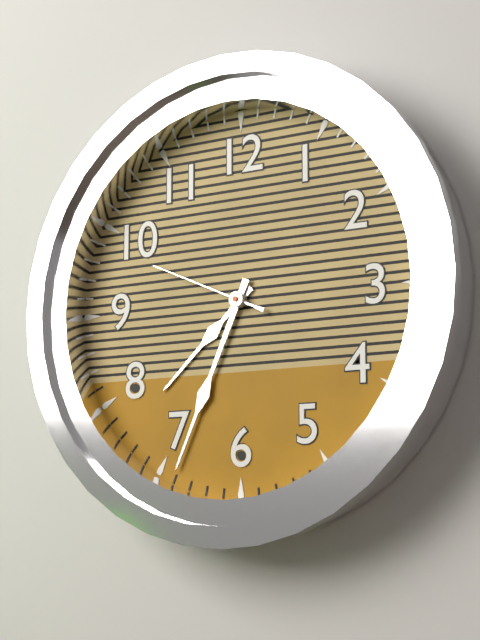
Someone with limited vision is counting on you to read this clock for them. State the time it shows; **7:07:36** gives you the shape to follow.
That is **7:34:49**
